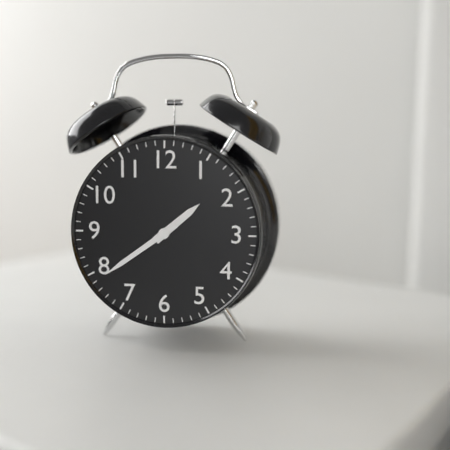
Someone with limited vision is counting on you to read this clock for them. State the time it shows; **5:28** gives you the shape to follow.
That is **1:39**
